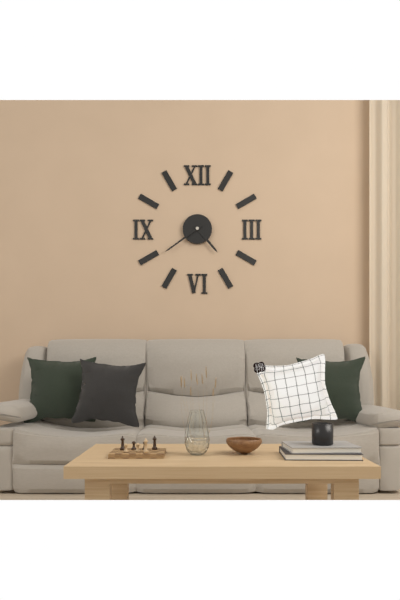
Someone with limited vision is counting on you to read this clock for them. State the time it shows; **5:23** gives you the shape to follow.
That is **4:39**
